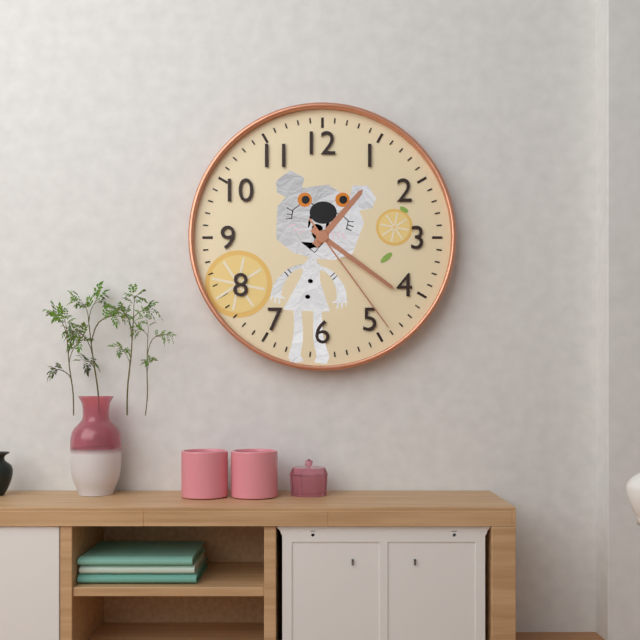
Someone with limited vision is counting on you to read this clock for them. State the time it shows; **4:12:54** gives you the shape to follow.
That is **1:21:24**
